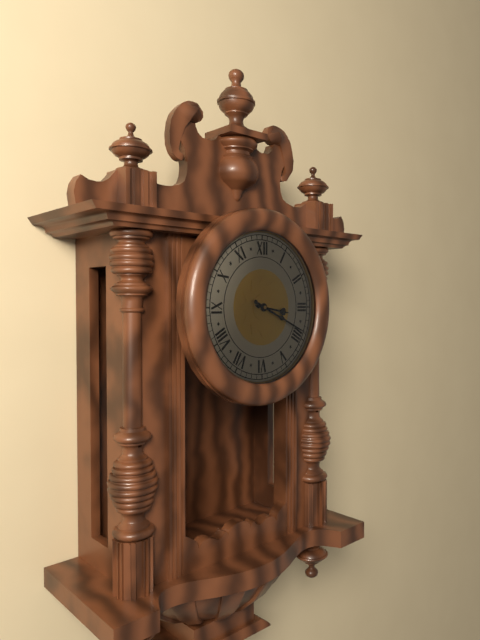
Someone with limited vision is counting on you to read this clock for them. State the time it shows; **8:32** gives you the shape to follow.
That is **3:19**
